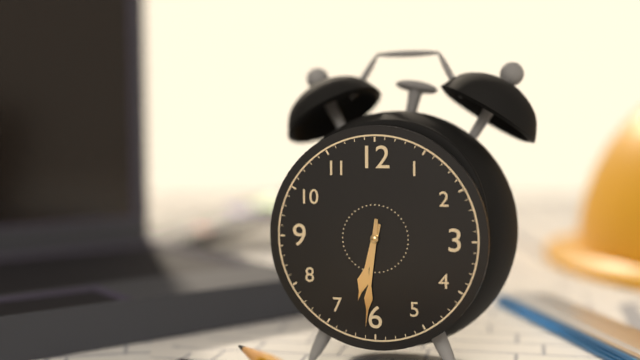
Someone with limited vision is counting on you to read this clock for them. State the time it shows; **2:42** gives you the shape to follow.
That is **6:31**
